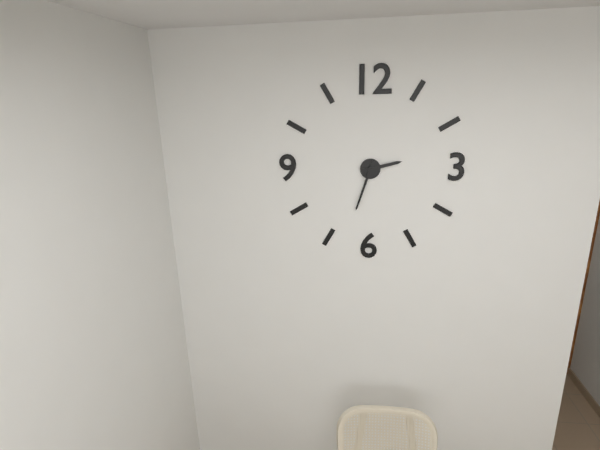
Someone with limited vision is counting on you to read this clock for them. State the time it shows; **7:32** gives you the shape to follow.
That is **2:33**
